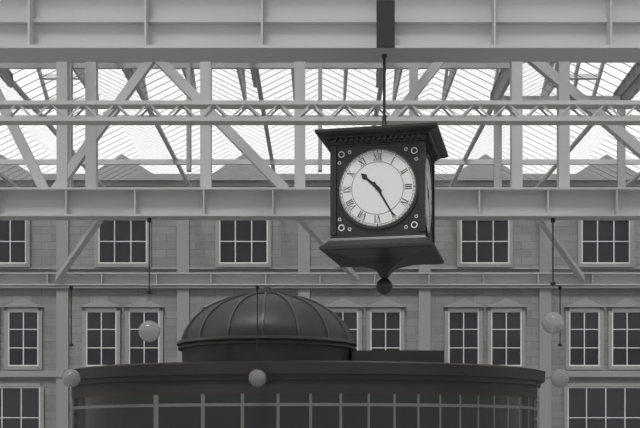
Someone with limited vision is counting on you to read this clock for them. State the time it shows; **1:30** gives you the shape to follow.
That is **10:25**
